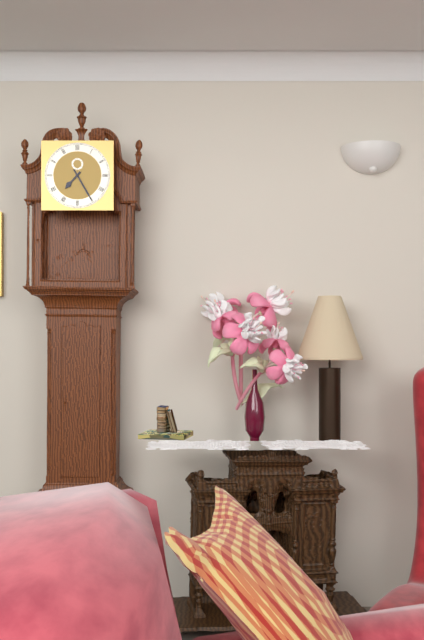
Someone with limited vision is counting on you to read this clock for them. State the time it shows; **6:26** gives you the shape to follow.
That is **7:25**
